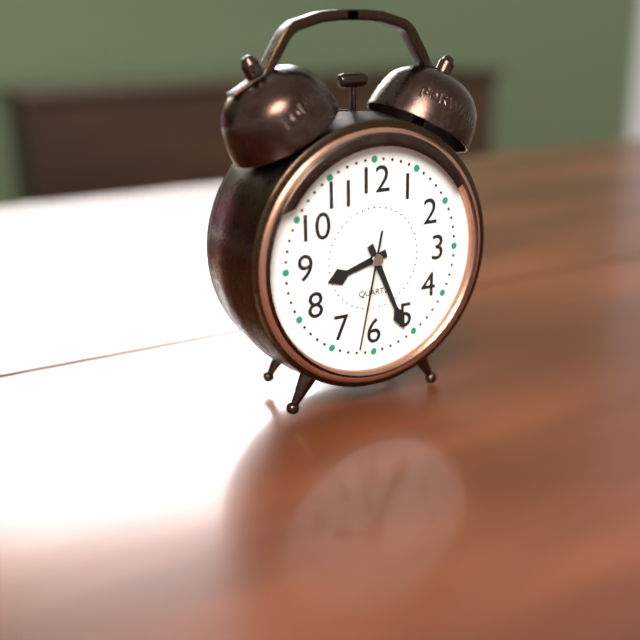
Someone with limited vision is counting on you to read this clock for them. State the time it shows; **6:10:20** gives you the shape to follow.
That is **8:26:32**
